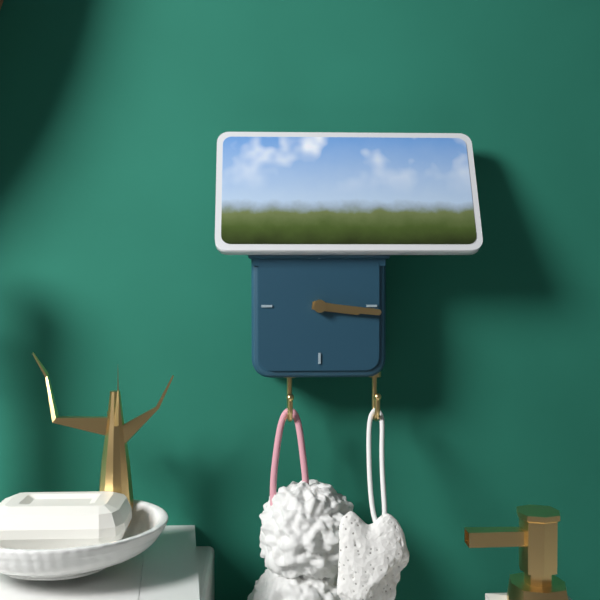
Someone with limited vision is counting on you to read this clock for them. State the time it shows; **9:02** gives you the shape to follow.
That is **3:16**
